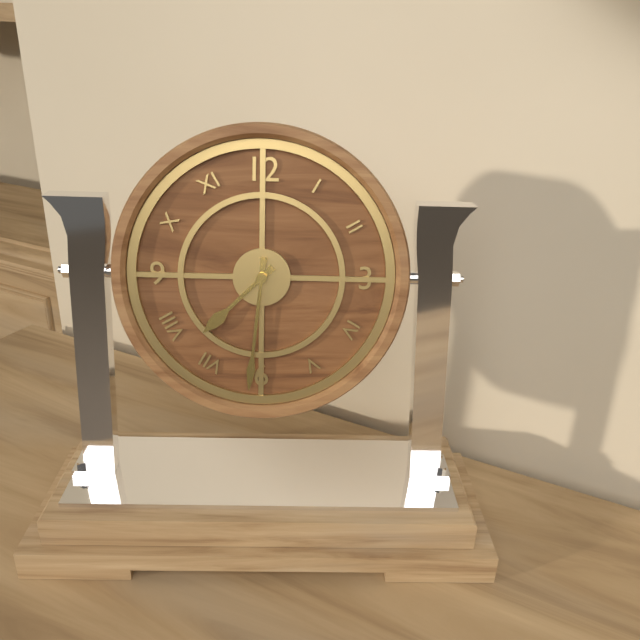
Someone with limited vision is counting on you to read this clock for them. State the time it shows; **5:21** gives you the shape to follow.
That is **7:31**
